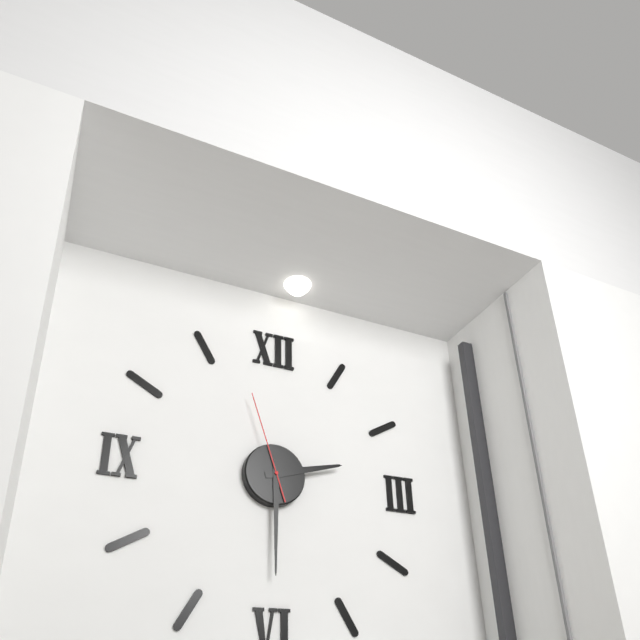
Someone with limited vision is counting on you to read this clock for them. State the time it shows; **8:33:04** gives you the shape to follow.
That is **2:30:57**
